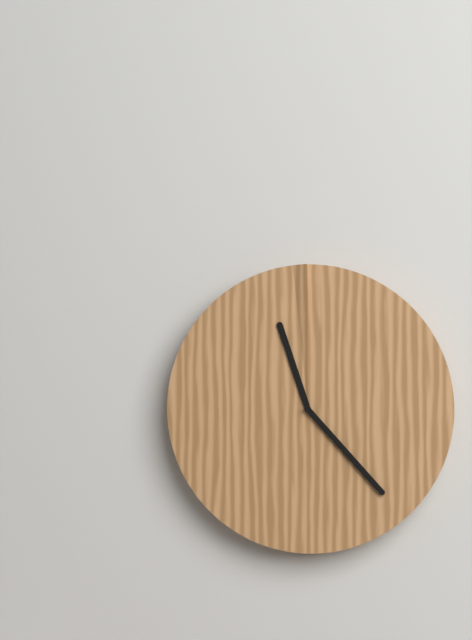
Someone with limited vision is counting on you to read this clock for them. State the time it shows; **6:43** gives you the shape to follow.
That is **11:23**
